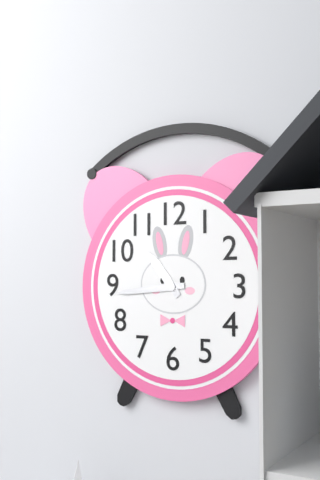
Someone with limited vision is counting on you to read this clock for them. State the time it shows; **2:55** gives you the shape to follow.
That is **10:44**
